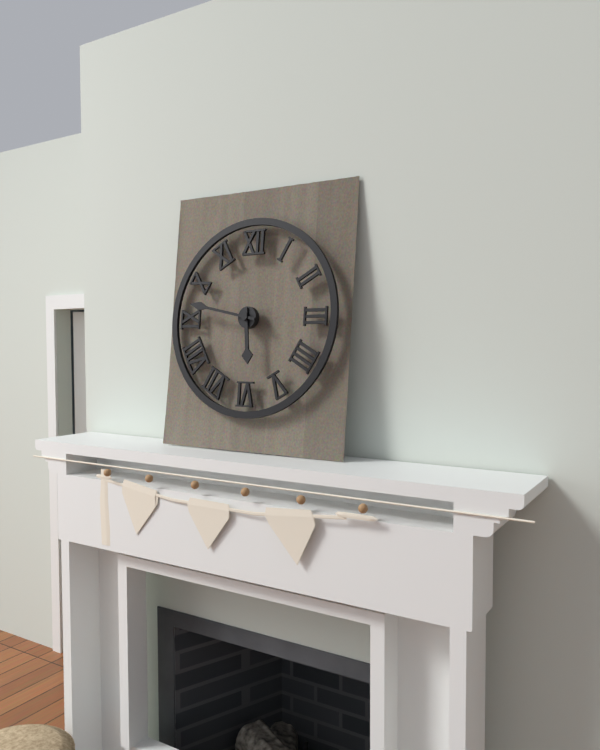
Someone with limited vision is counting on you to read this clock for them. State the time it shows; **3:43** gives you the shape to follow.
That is **5:47**
